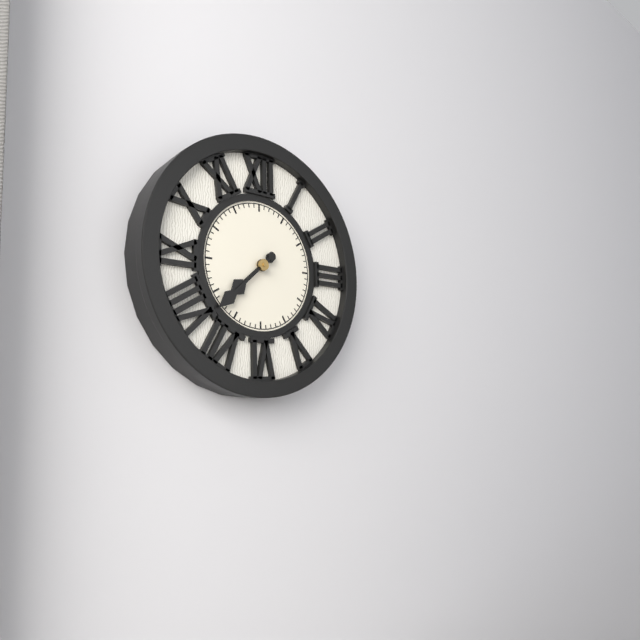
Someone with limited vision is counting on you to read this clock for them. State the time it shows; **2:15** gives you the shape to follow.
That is **7:38**
